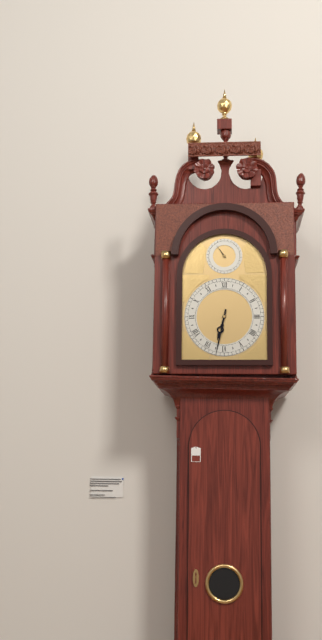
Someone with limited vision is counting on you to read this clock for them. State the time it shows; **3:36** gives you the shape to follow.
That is **6:32**
